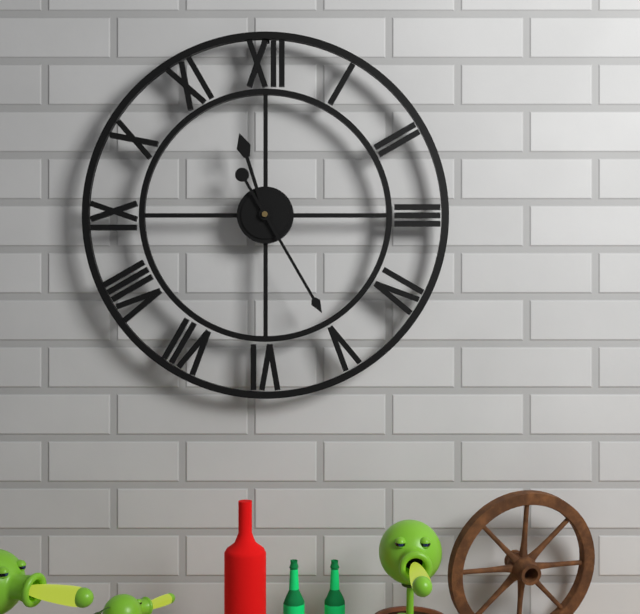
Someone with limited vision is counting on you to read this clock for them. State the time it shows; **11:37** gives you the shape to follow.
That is **11:25**
